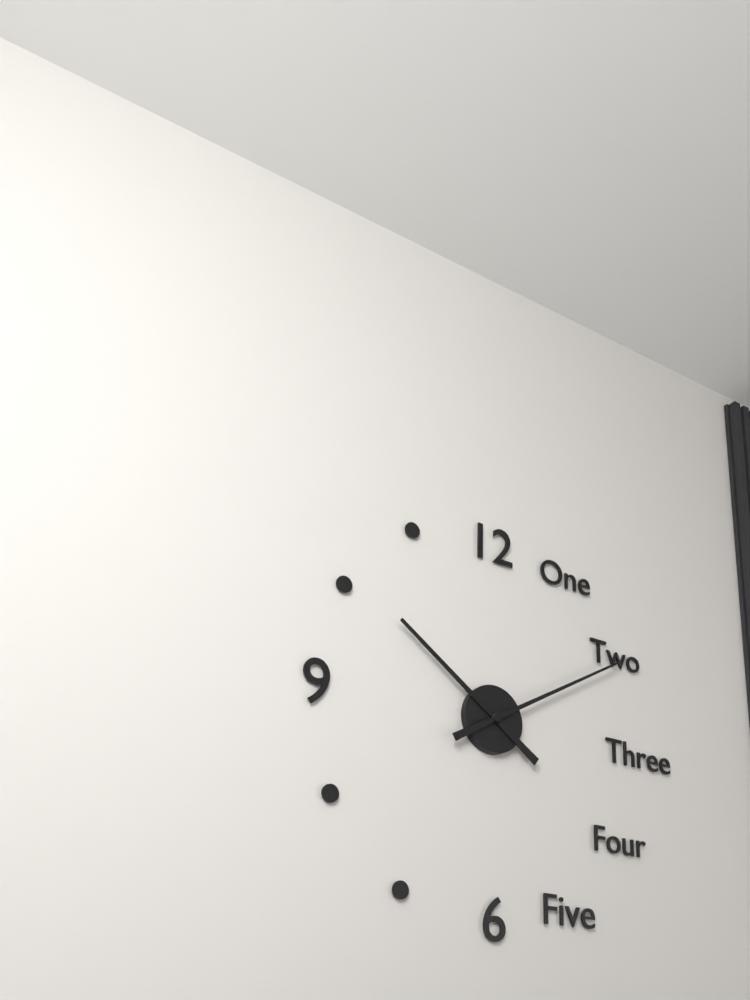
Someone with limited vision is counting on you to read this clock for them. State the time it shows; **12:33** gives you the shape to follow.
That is **10:10**
